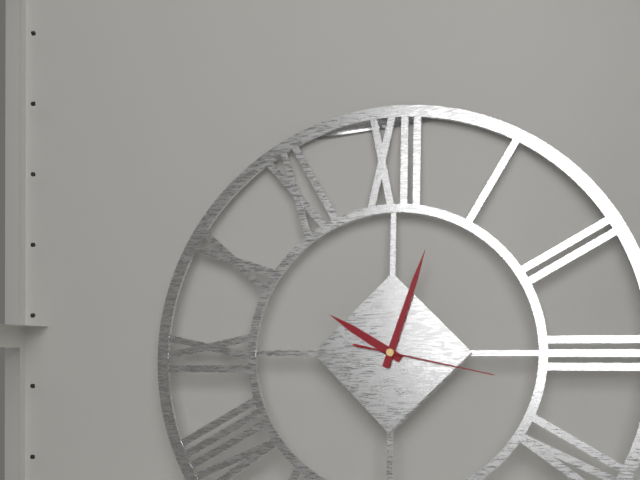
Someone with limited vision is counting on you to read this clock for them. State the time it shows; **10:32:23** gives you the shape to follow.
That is **10:03:17**
